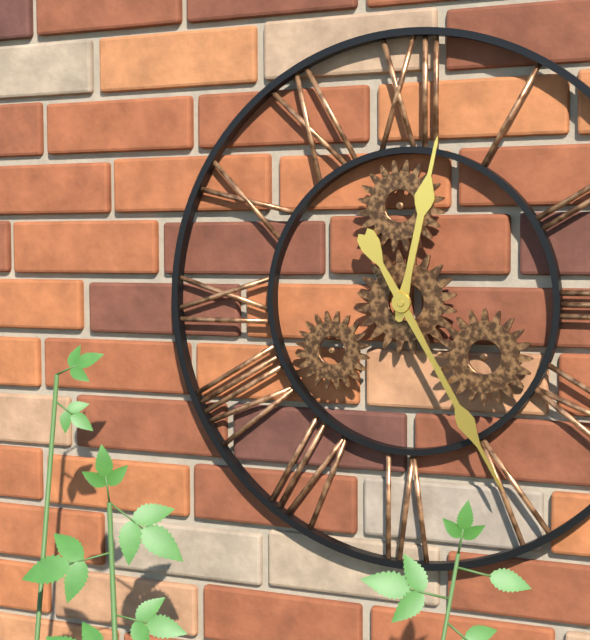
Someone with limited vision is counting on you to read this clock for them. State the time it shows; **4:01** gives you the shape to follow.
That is **12:25**
